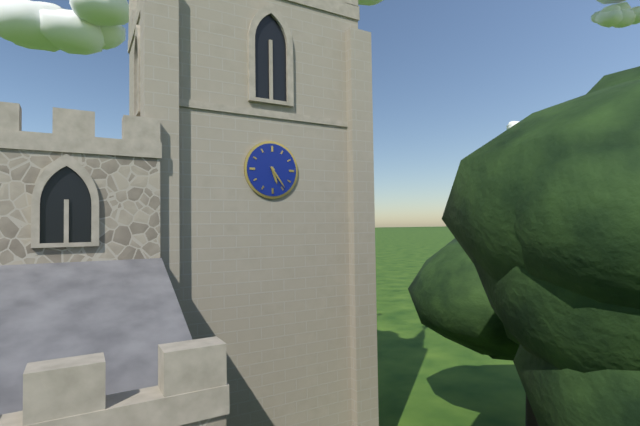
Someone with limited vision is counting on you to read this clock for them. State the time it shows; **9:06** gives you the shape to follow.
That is **5:24**
